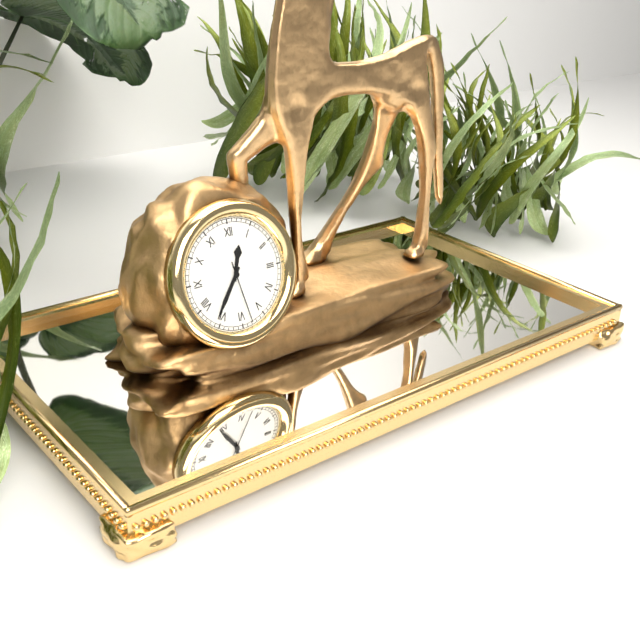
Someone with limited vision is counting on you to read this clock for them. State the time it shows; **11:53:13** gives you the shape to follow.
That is **12:36:28**
